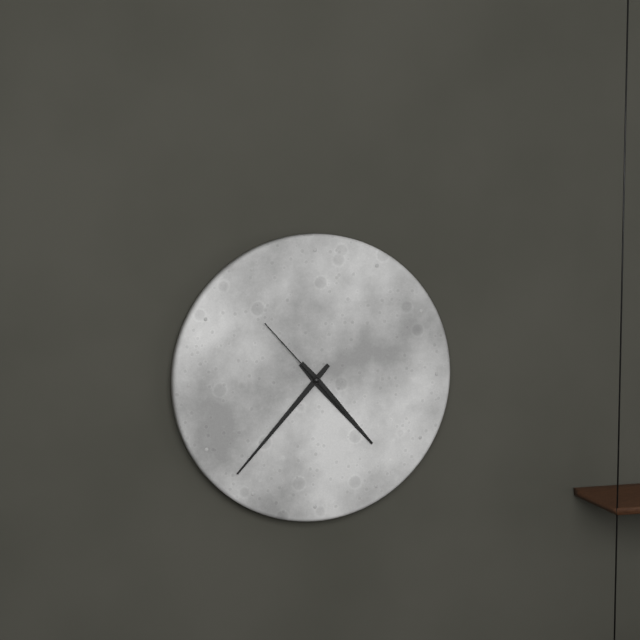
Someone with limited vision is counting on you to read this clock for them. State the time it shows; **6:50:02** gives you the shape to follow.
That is **4:37:53**
